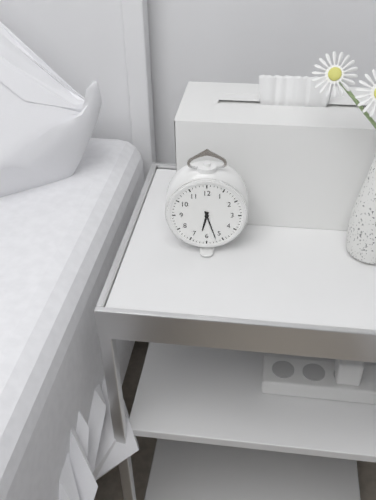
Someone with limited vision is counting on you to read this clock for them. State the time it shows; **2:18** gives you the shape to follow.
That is **6:27**
